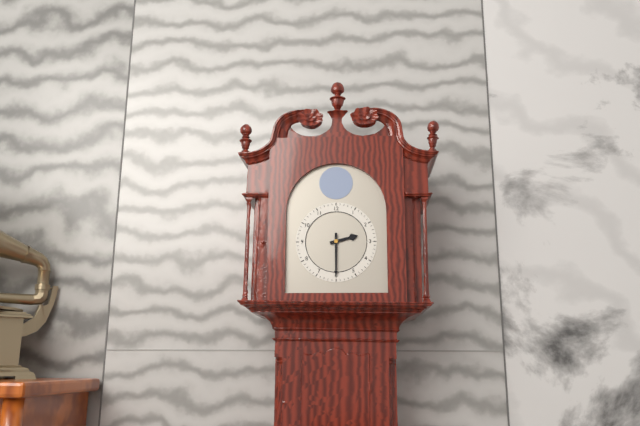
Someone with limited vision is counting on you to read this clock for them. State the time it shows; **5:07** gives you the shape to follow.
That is **2:30**
